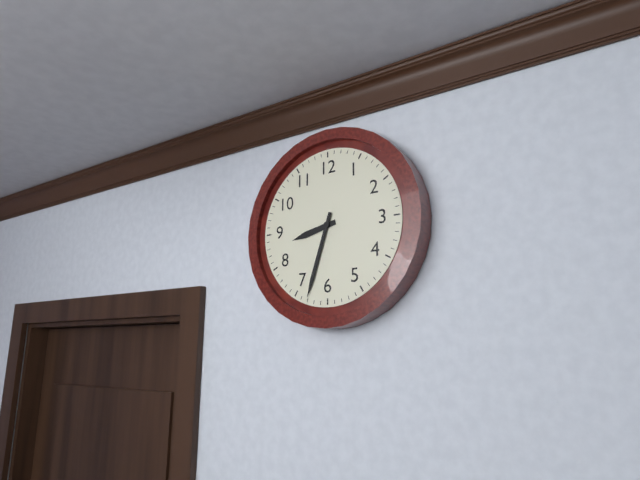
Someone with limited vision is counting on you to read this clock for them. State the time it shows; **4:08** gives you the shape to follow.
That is **8:33**
